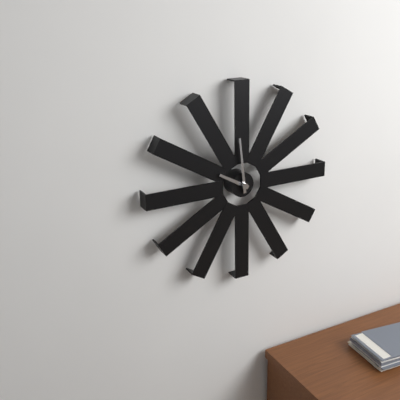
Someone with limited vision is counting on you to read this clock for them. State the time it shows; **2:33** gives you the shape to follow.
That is **9:59**
